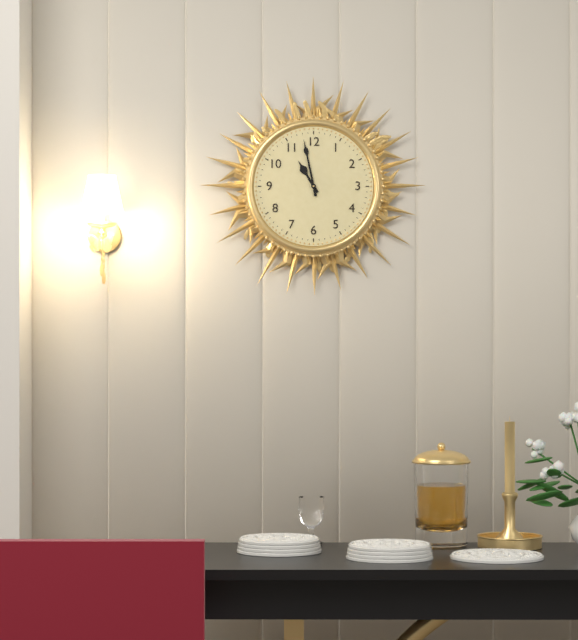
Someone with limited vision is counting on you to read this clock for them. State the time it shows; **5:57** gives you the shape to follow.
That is **10:58**
